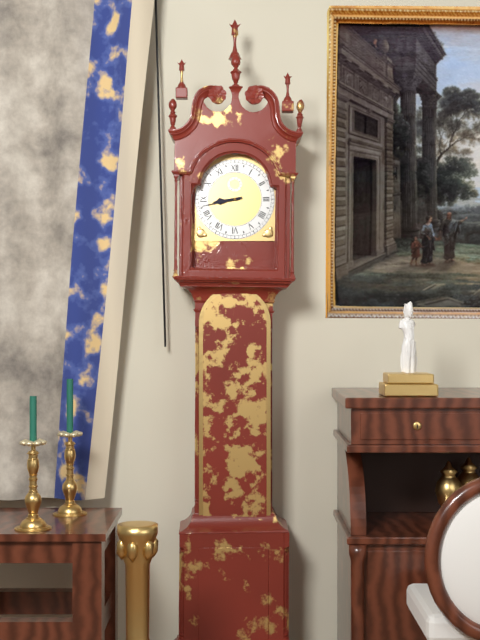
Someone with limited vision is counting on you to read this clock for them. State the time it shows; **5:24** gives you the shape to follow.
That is **8:43**
